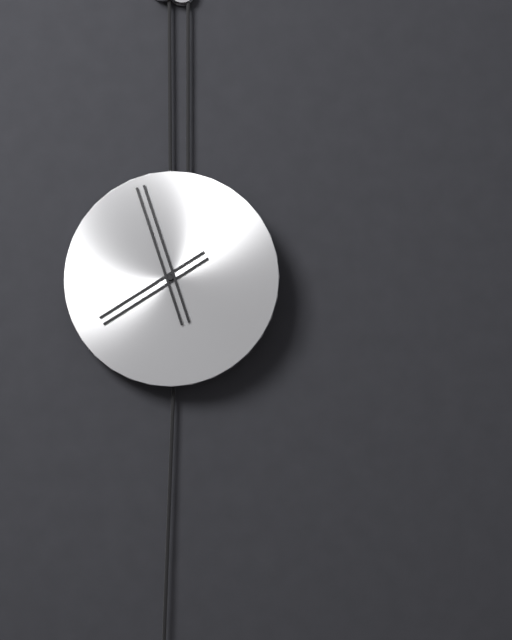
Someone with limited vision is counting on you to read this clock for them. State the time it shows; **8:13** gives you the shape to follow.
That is **7:57**
